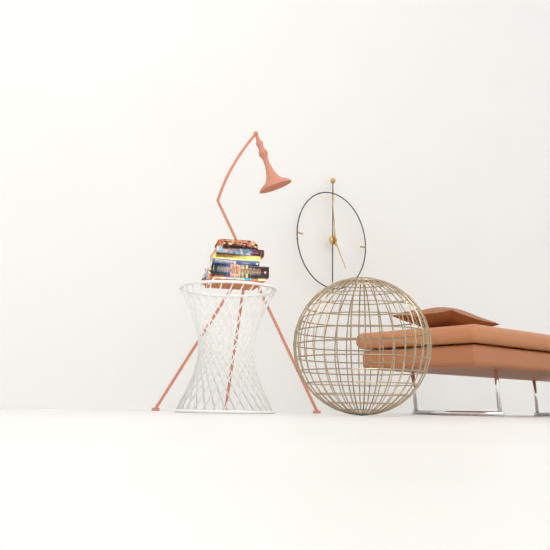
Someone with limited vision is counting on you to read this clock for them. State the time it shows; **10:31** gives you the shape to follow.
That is **4:59**
